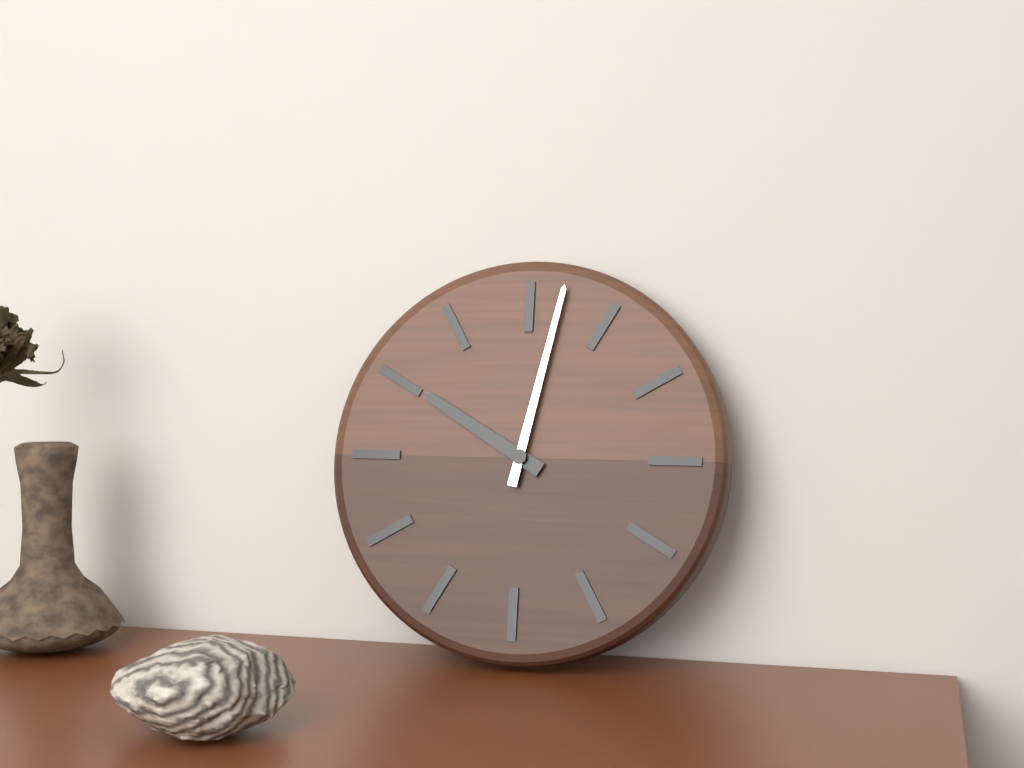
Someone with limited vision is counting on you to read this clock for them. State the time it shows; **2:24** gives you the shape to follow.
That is **10:02**
